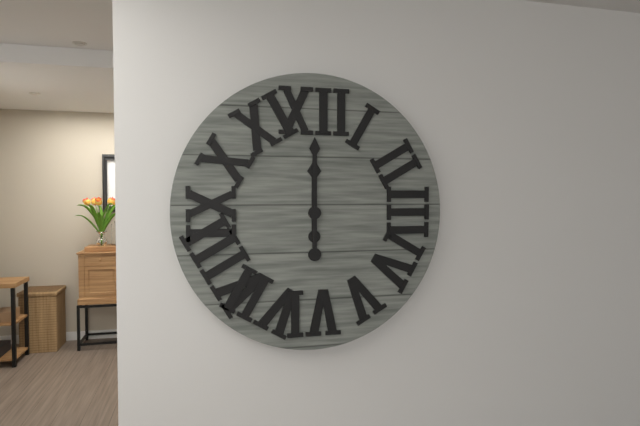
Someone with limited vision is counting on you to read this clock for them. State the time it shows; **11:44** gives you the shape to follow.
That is **12:00**
